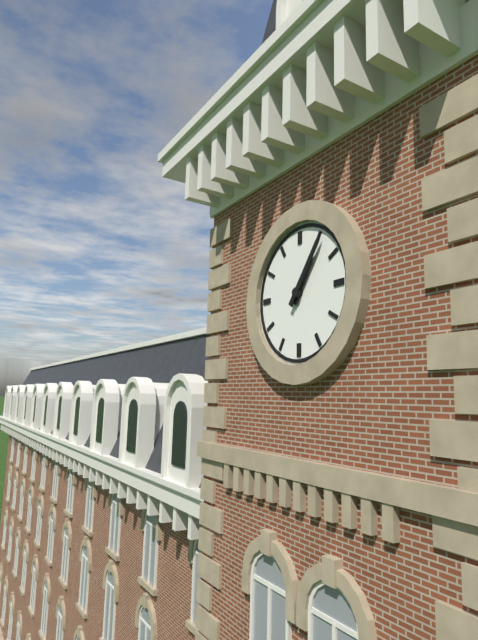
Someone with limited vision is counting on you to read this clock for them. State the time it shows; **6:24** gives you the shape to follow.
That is **1:06**
